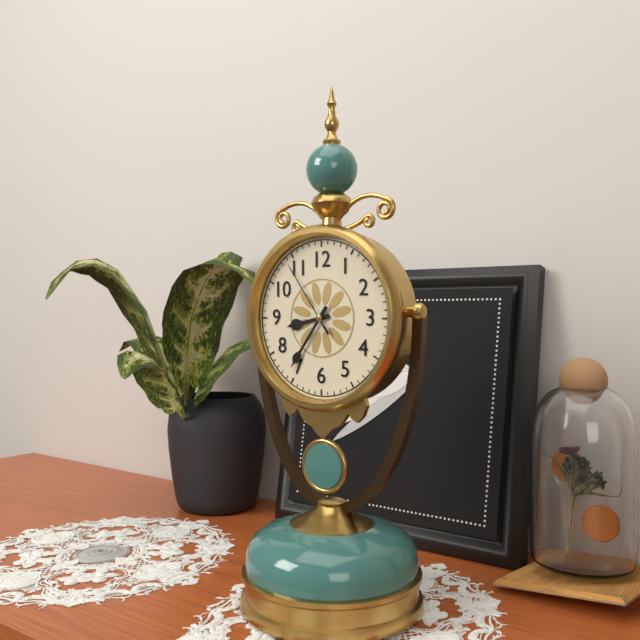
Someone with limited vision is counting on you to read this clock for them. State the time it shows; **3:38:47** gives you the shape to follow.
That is **8:36:54**
